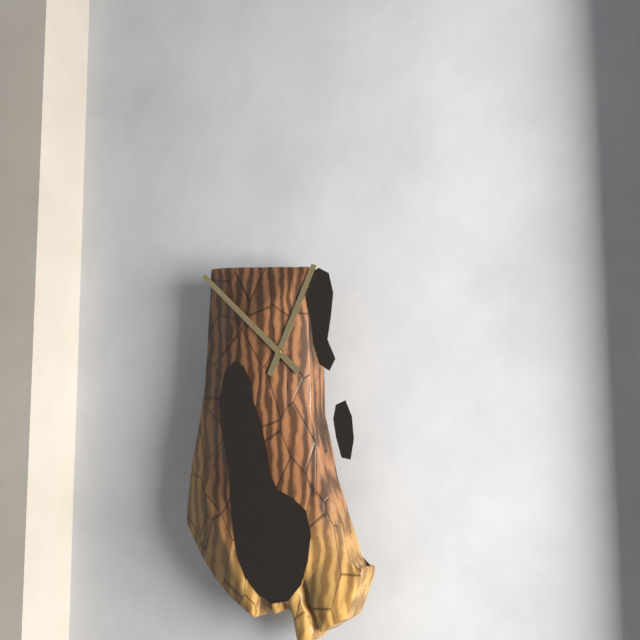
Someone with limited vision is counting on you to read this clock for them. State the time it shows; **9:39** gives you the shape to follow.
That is **12:52**
